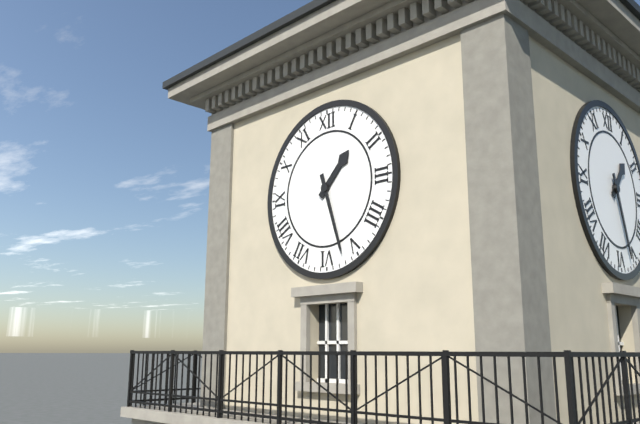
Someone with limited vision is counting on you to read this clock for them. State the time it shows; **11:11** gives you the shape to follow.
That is **1:27**
